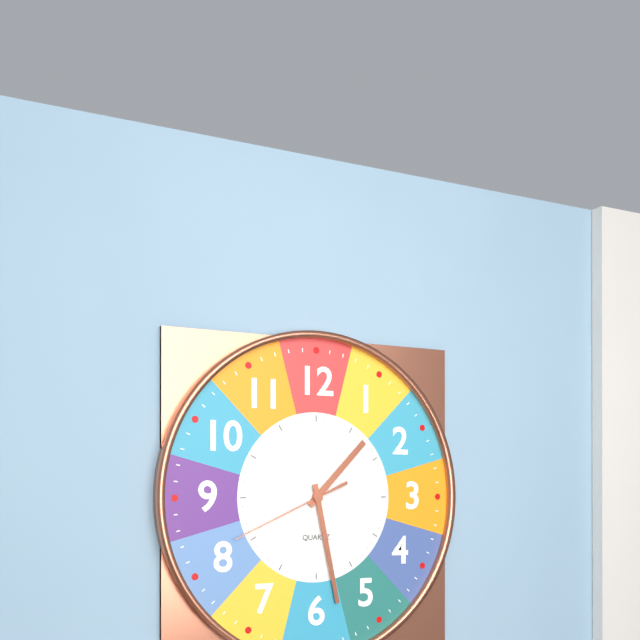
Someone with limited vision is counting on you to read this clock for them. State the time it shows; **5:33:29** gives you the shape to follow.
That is **1:28:41**
